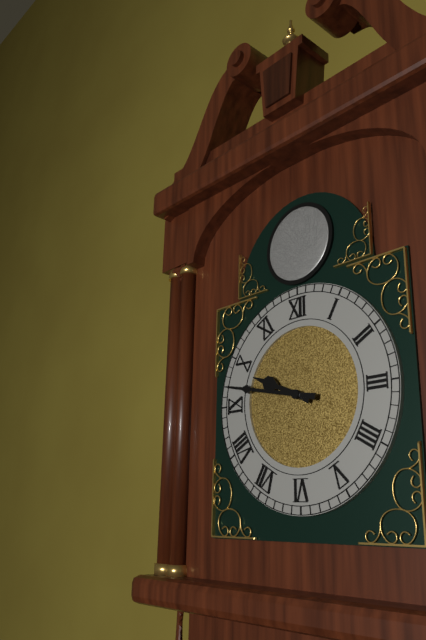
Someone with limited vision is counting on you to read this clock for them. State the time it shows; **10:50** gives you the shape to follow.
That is **9:47**
